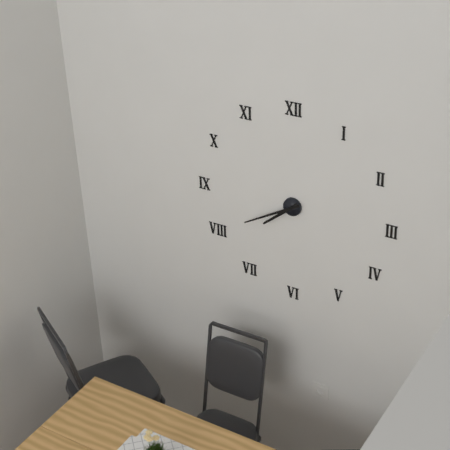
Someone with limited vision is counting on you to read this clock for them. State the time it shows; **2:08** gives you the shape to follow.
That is **7:40**
